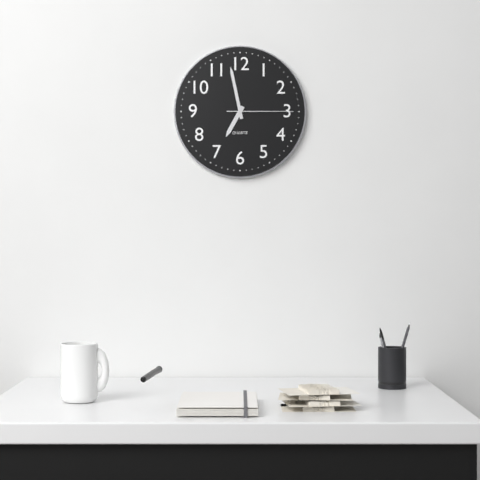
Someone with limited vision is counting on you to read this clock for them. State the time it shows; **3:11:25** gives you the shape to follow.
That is **6:58:15**
